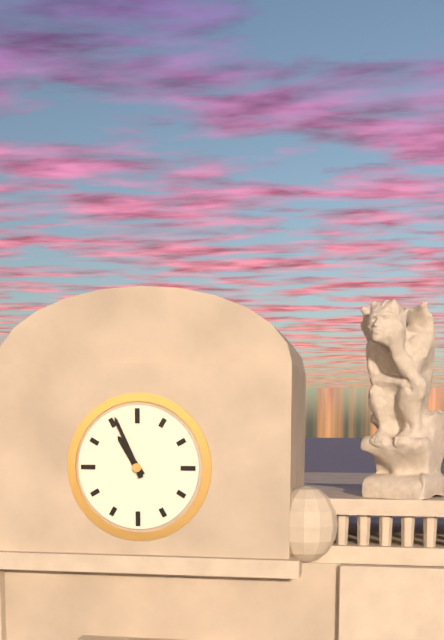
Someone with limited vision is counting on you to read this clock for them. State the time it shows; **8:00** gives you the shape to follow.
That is **10:56**
